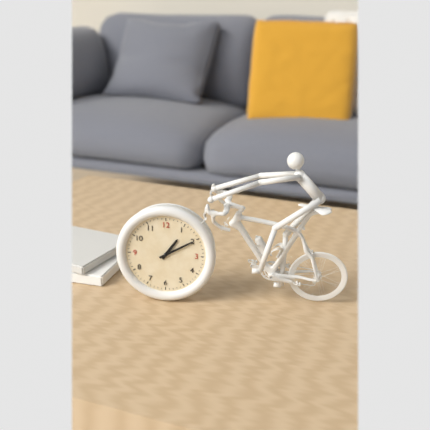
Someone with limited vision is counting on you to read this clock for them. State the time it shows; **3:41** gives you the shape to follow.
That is **1:10**
